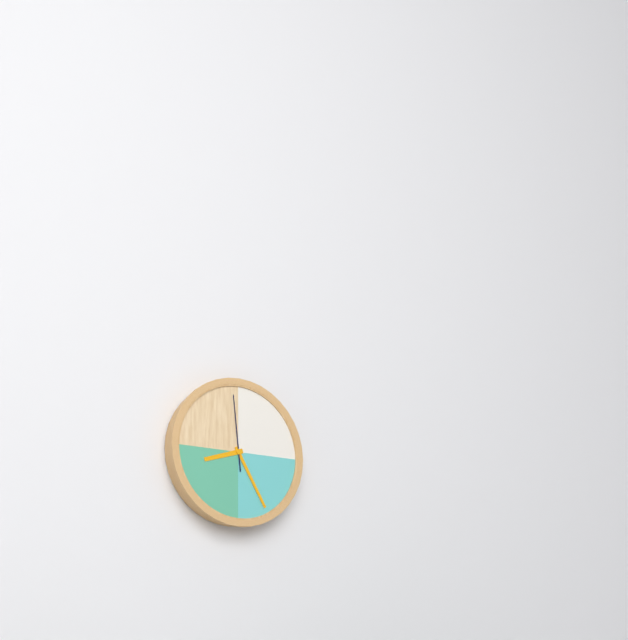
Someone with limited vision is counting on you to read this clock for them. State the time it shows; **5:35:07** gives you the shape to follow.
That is **8:25:59**
